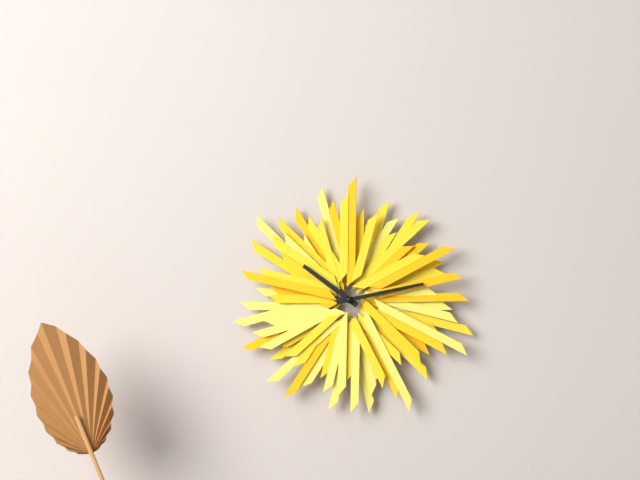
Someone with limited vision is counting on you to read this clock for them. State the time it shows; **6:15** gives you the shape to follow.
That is **10:13**
